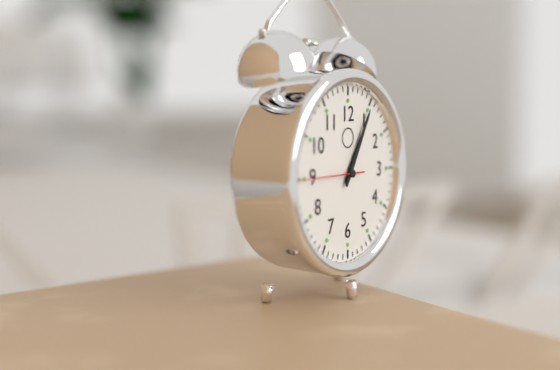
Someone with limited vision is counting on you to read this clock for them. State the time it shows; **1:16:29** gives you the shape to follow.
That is **1:05:45**
